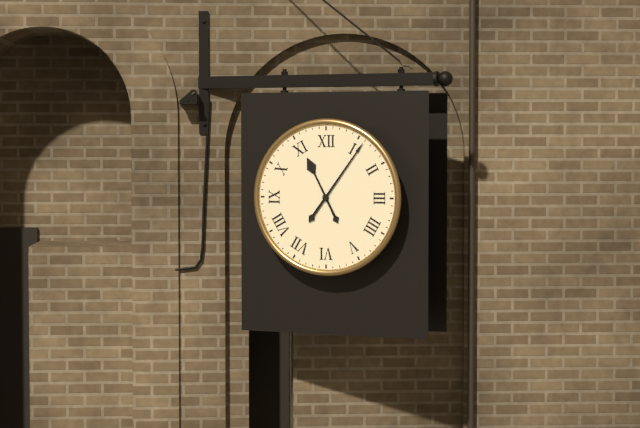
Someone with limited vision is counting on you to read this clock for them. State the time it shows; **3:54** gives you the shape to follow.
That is **11:06**
